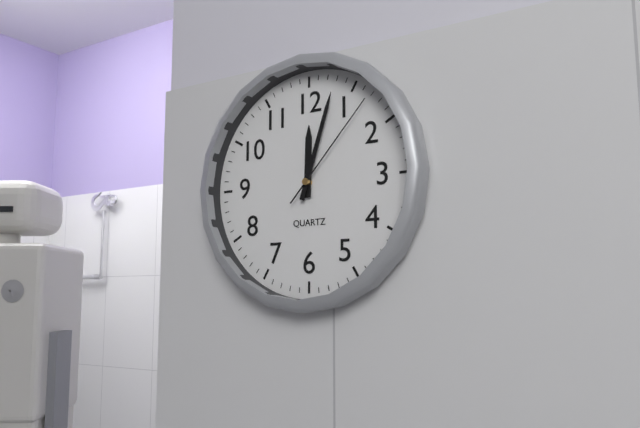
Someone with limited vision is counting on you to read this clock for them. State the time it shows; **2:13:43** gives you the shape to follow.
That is **12:03:07**
